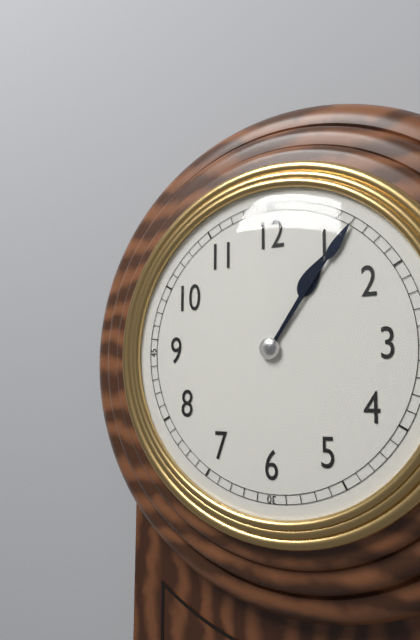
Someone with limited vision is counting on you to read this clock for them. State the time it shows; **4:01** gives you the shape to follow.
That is **1:06**
